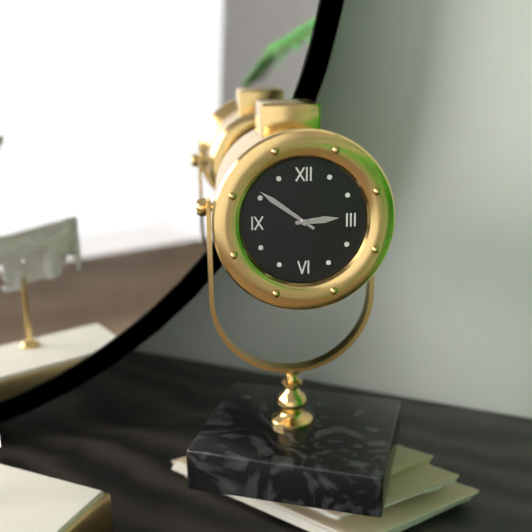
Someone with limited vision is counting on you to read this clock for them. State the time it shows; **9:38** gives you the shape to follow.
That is **2:51**
